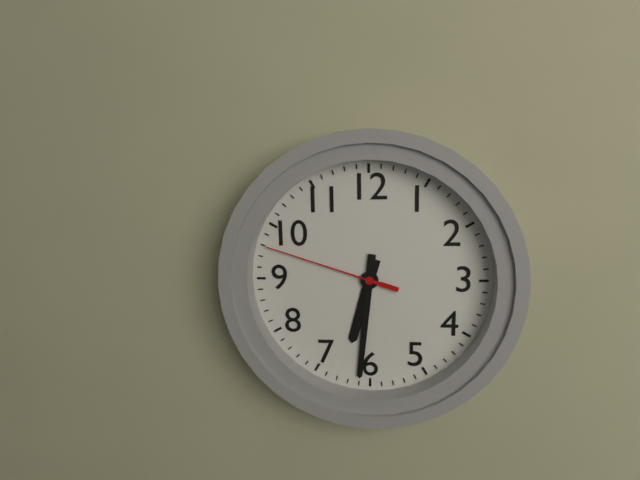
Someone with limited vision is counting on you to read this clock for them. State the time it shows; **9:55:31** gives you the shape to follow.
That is **6:31:48**
